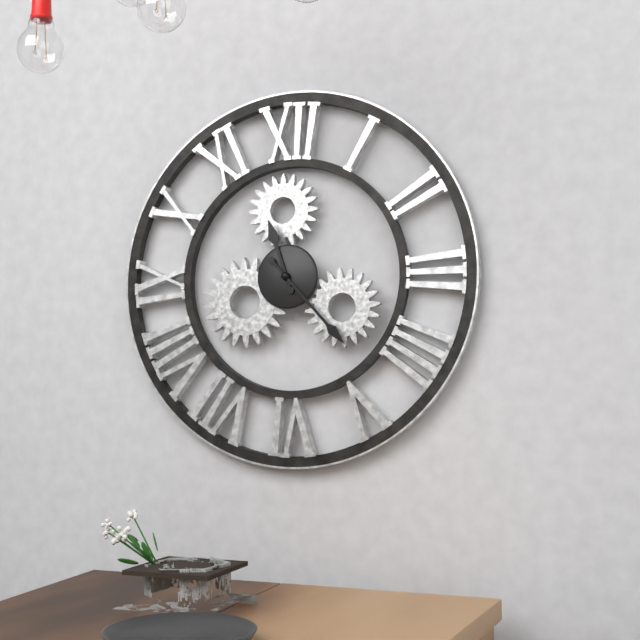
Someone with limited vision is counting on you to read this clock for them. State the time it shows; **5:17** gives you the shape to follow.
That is **11:23**
